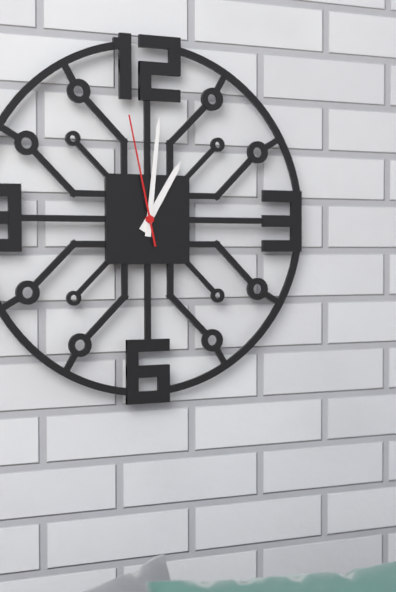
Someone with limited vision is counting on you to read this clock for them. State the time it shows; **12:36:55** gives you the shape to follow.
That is **1:01:58**
